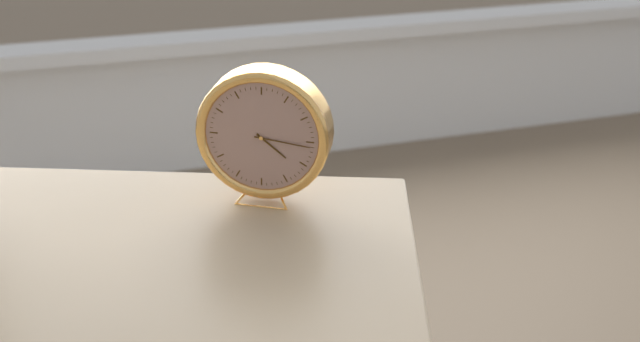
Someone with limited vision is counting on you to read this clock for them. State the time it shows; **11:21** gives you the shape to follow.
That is **4:16**
